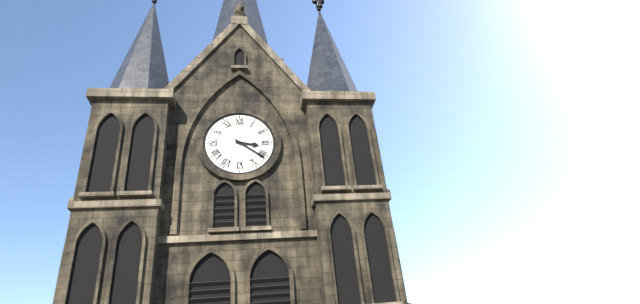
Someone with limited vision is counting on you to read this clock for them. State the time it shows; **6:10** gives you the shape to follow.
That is **3:21**
